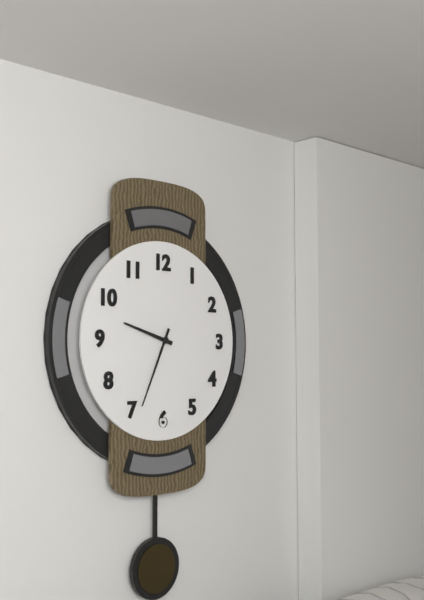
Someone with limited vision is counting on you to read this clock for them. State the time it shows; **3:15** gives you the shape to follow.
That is **9:34**
